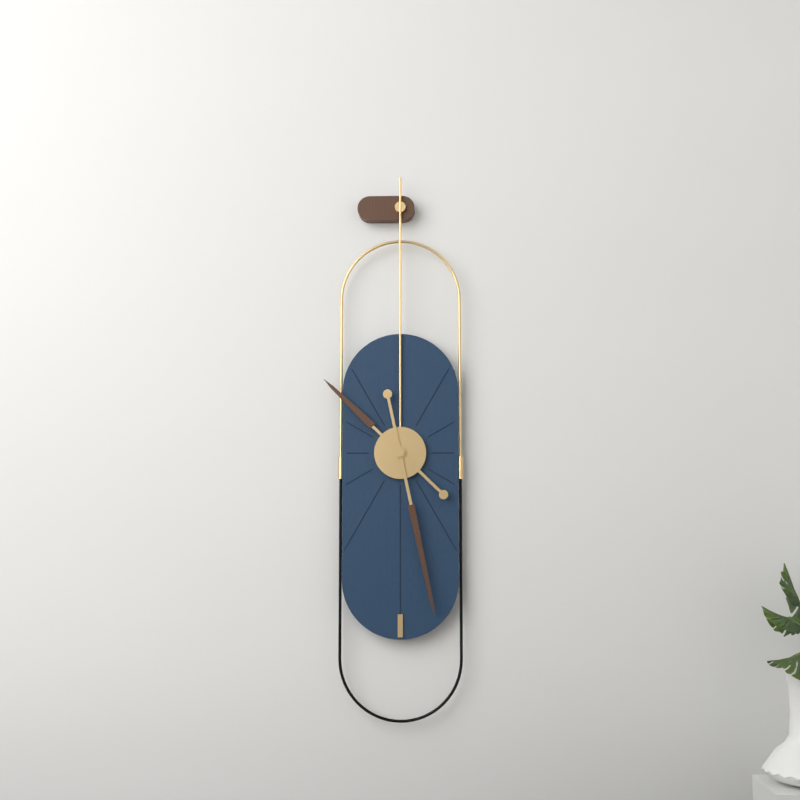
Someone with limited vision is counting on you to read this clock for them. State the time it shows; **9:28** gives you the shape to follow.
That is **10:28**
